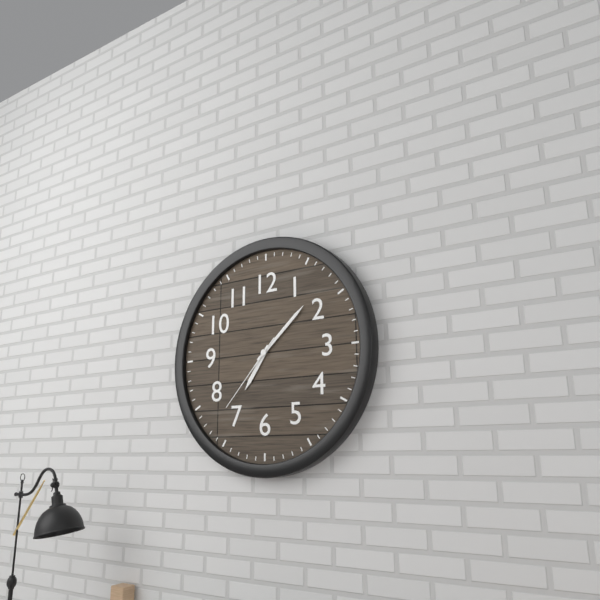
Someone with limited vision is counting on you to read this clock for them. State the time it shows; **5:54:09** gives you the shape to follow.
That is **7:08:37**
